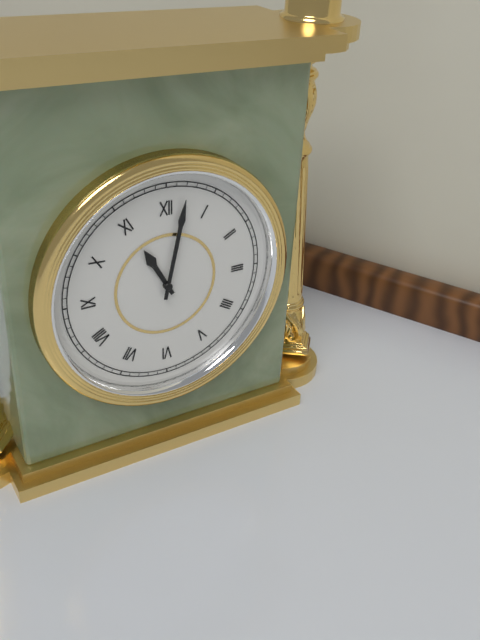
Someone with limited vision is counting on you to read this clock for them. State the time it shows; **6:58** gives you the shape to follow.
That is **11:02**
